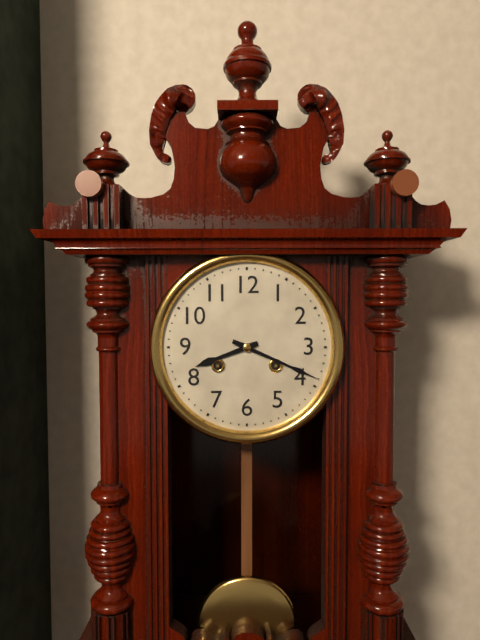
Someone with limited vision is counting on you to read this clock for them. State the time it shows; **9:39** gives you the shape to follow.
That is **8:19**
